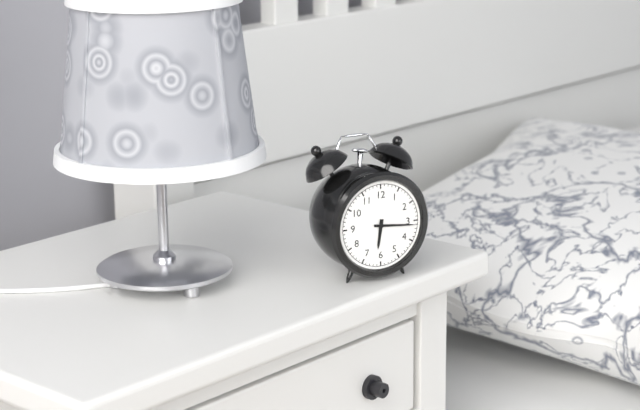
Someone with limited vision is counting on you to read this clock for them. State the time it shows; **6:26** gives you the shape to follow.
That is **6:16**
